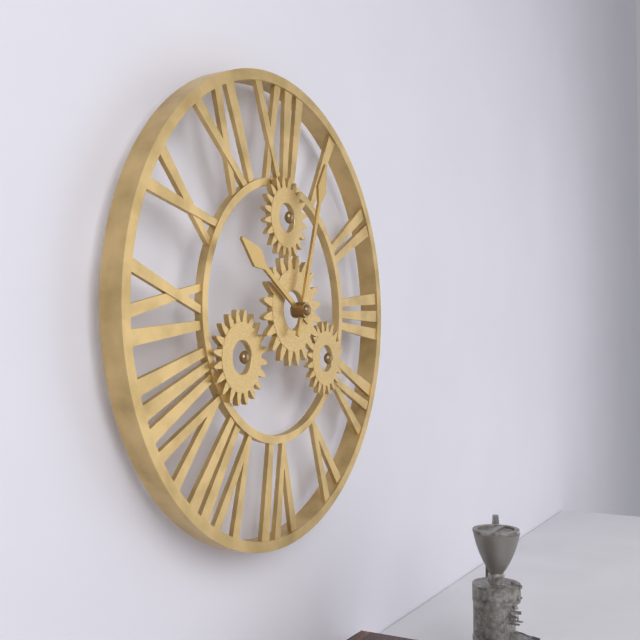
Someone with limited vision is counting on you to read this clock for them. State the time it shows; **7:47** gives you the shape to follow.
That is **10:03**
